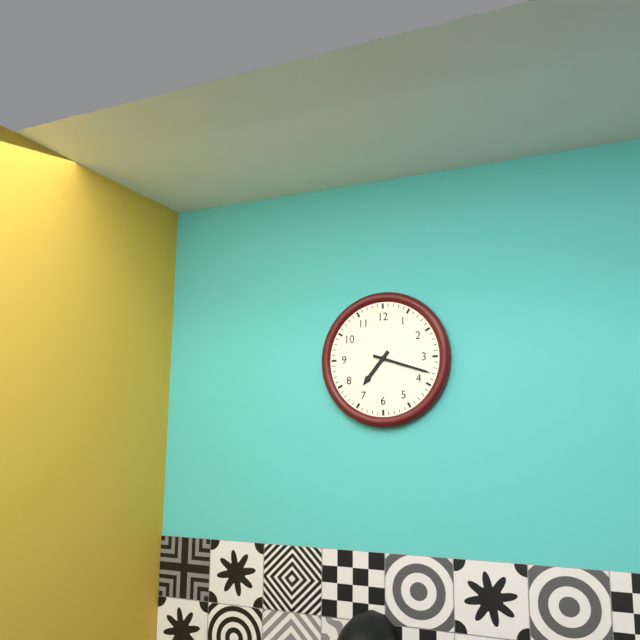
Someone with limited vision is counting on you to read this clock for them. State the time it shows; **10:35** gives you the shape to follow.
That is **7:18**
